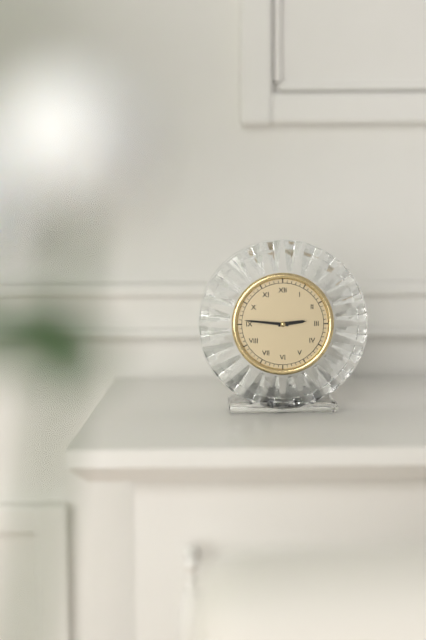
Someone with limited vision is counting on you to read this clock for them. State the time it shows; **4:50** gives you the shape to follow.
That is **2:46**
